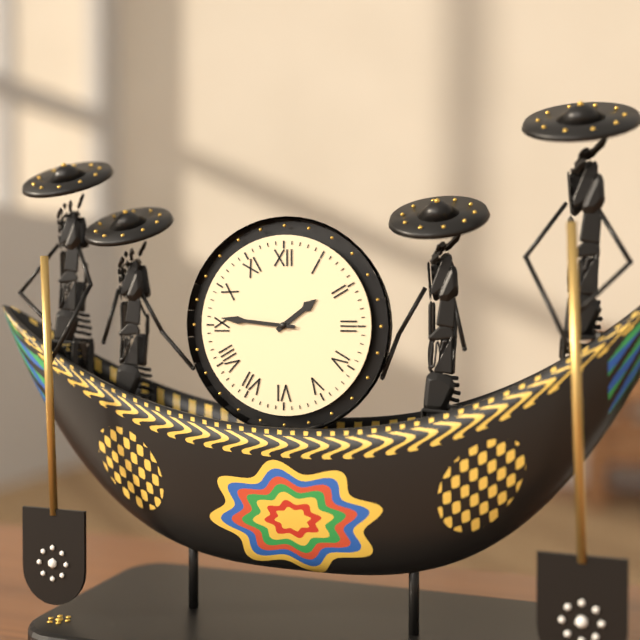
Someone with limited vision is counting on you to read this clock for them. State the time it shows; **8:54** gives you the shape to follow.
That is **1:46**
